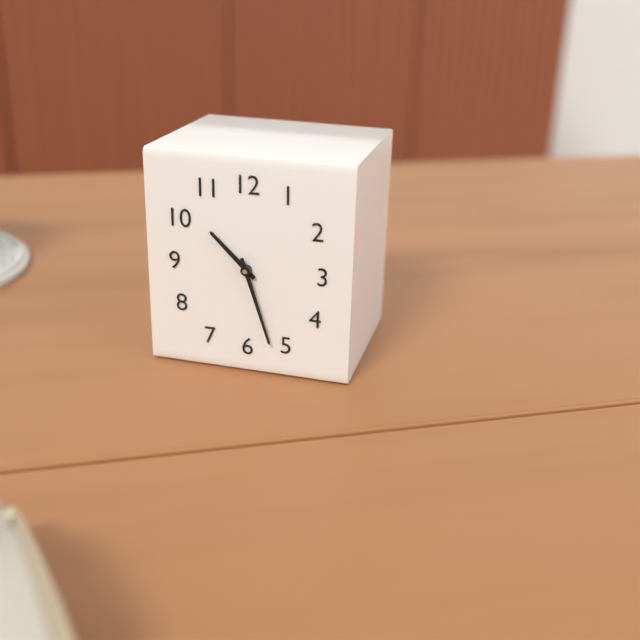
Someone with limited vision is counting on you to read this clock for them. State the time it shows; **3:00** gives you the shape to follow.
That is **10:27**
